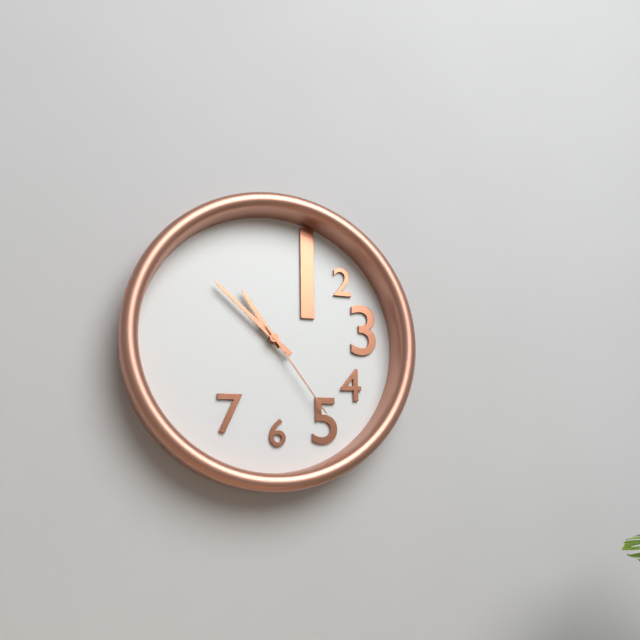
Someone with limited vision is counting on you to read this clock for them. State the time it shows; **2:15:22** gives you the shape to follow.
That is **10:52:24**
